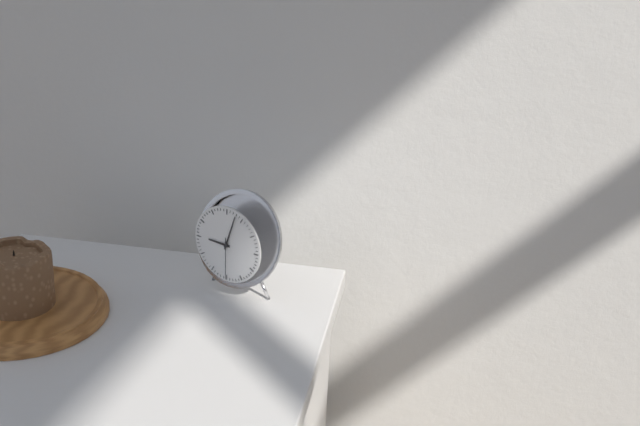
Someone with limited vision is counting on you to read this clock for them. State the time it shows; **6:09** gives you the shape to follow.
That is **9:03**
